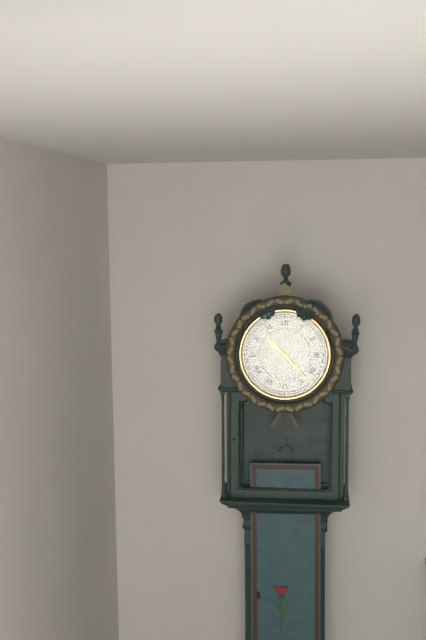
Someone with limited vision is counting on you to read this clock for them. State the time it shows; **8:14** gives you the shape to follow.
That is **10:23**
